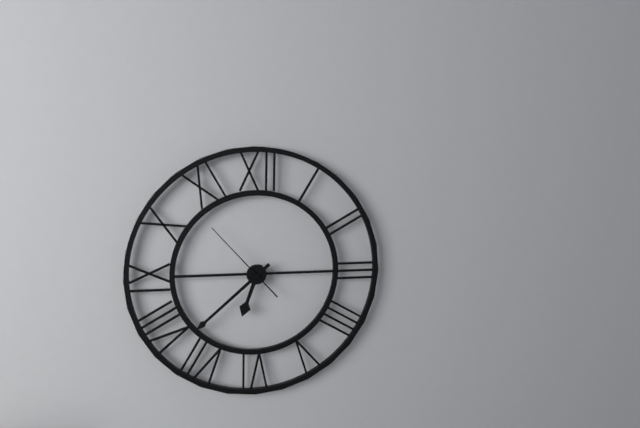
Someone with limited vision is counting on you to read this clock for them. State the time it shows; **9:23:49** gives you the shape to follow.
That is **6:38:53**
